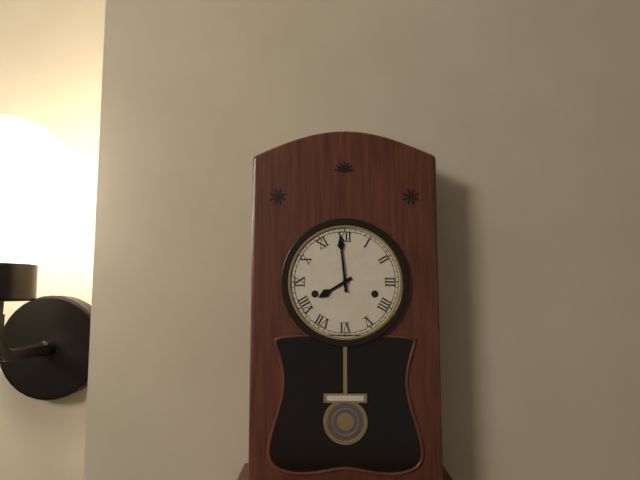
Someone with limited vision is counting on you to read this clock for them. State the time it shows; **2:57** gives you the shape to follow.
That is **7:59**
